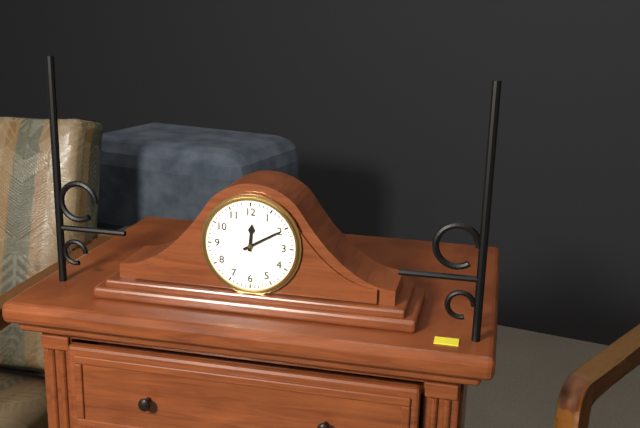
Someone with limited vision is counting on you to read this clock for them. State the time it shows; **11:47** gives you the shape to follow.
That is **12:10**
